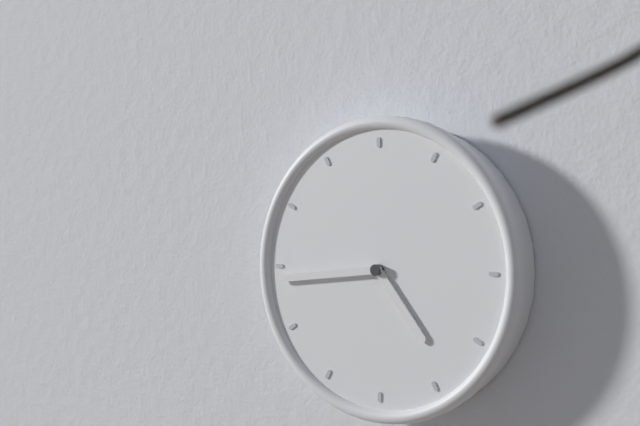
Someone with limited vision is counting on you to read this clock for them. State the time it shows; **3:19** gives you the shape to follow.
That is **4:44**
